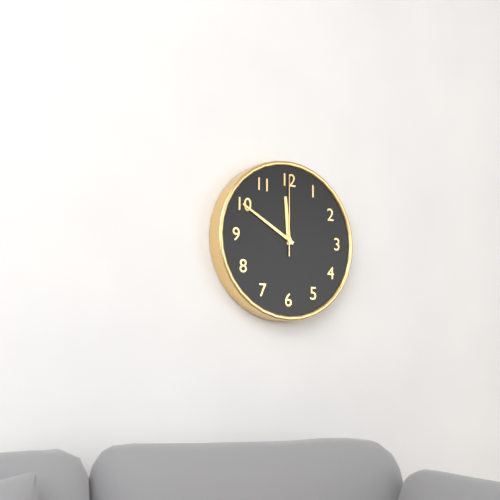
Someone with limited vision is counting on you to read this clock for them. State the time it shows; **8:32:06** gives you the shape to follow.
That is **11:50:00**
